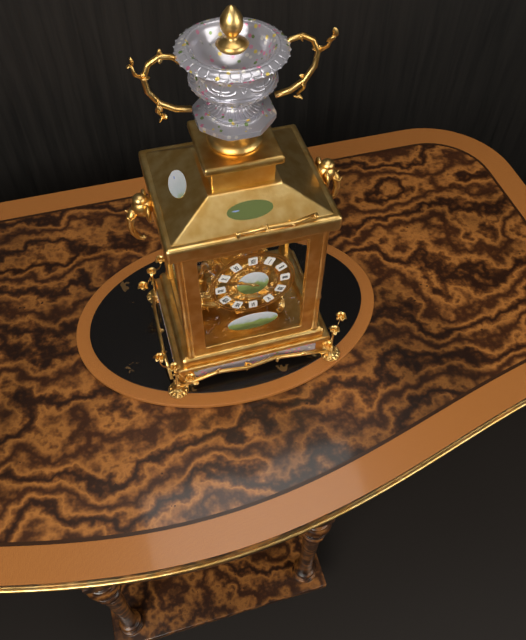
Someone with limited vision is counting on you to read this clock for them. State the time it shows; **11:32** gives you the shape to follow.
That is **9:49**
